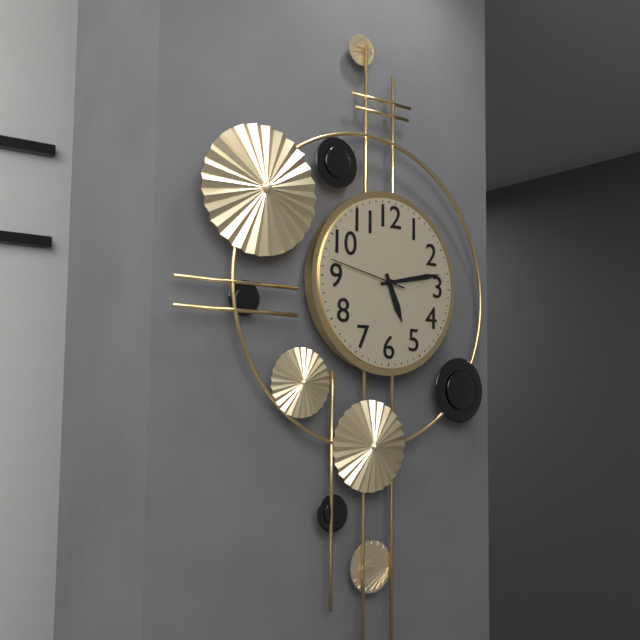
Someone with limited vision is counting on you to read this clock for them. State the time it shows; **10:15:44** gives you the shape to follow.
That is **5:13:47**
